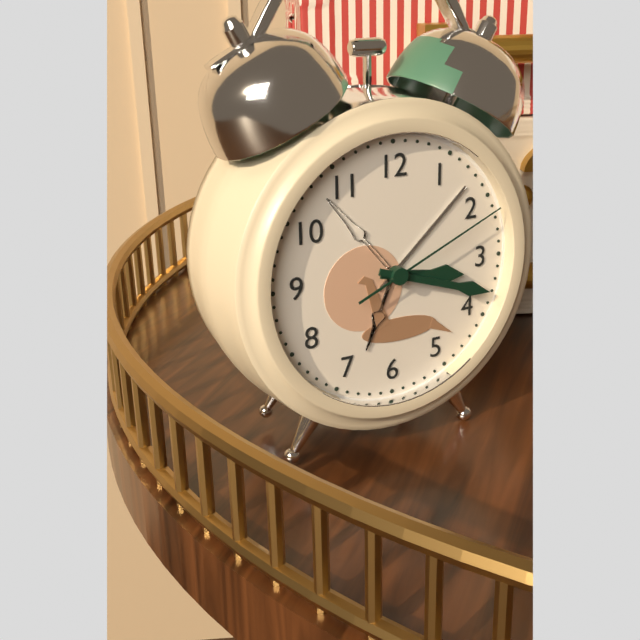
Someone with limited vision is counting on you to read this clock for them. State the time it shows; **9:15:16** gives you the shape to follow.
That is **3:18:11**
